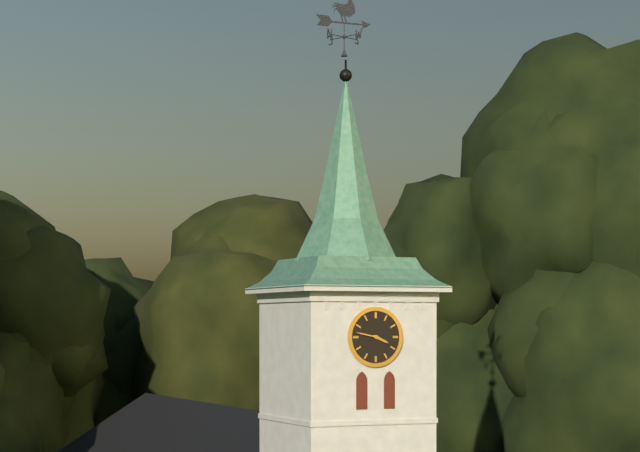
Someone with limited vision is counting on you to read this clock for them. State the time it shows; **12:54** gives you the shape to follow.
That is **3:47**
